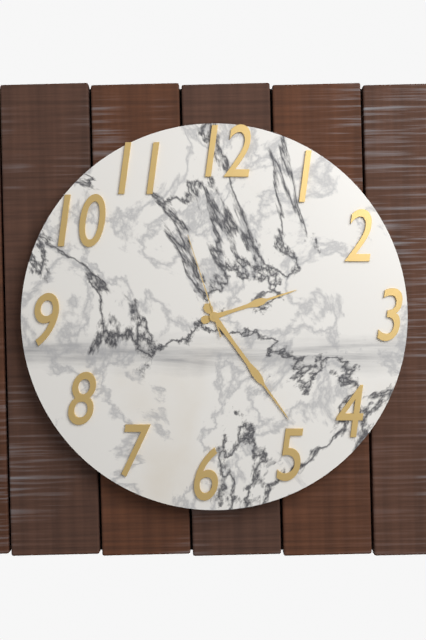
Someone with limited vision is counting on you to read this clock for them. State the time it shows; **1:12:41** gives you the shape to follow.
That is **2:24:57**
